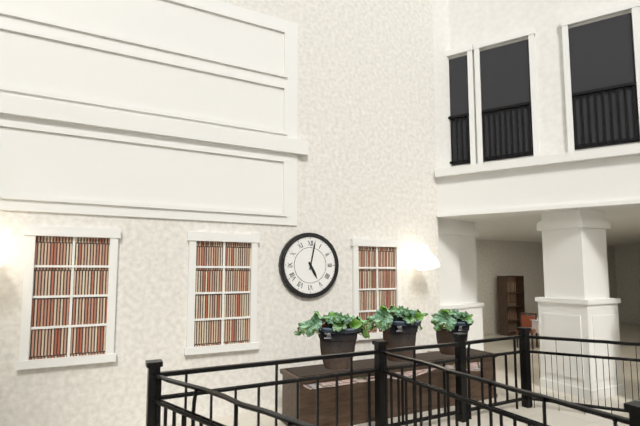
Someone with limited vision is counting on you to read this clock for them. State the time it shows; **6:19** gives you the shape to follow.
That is **5:02**
